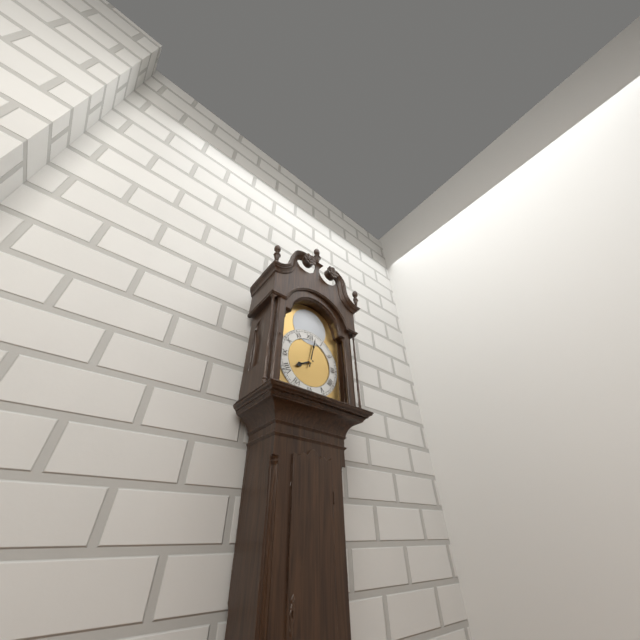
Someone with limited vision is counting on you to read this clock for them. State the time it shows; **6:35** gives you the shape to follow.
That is **8:02**
